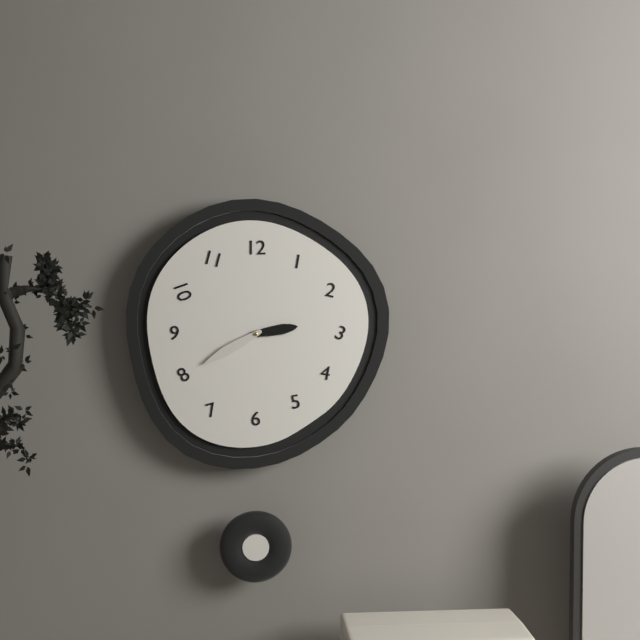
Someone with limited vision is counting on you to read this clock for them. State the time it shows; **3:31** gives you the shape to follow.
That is **2:40**
